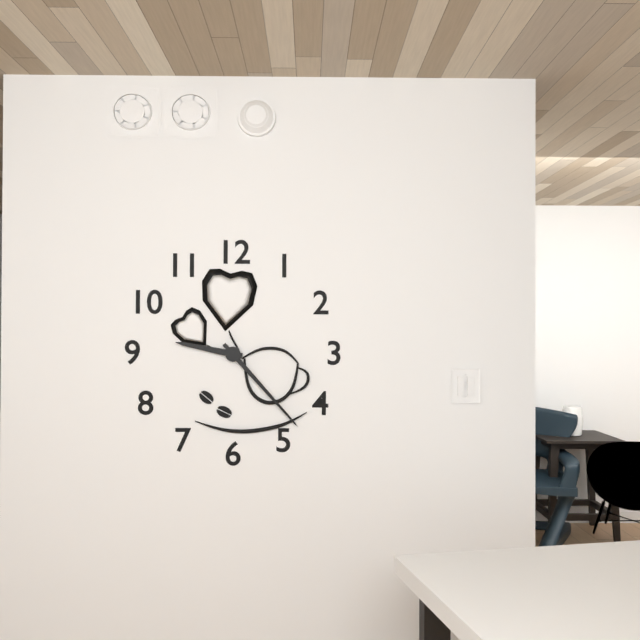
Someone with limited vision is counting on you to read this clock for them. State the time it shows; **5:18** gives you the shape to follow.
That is **9:23**
